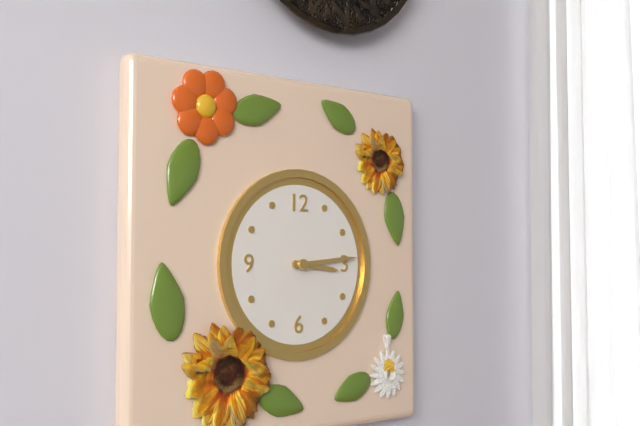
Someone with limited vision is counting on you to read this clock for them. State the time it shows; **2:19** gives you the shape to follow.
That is **3:14**
